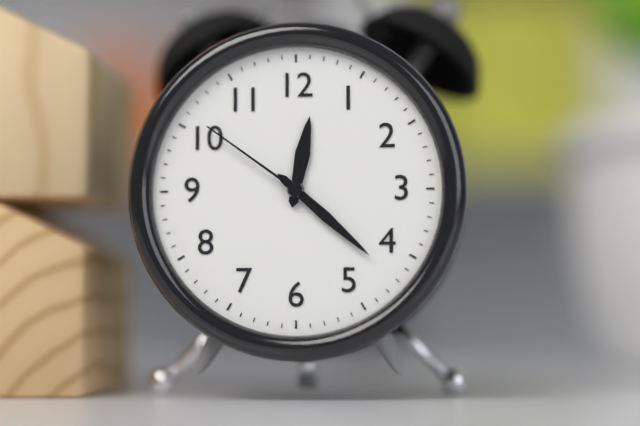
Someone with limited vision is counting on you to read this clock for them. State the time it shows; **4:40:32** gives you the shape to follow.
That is **12:22:51**
